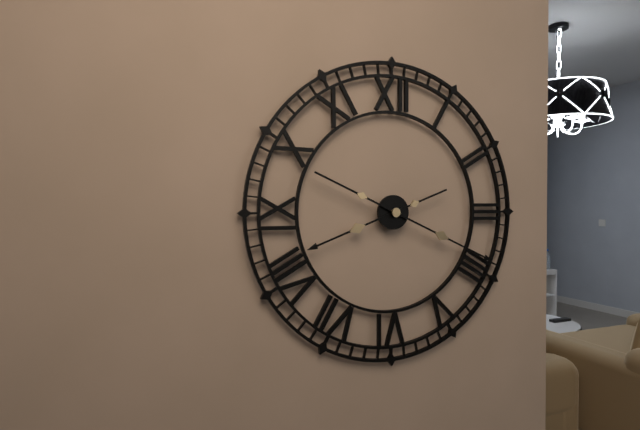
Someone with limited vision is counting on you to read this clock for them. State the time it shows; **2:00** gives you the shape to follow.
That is **8:19**
